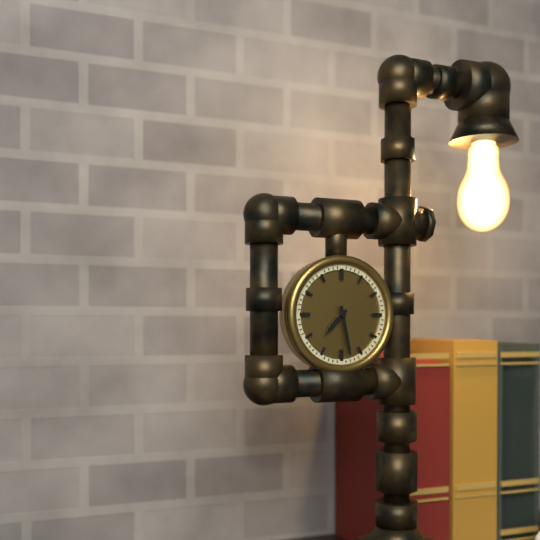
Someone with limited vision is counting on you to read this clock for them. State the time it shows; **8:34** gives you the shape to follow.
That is **7:28**
